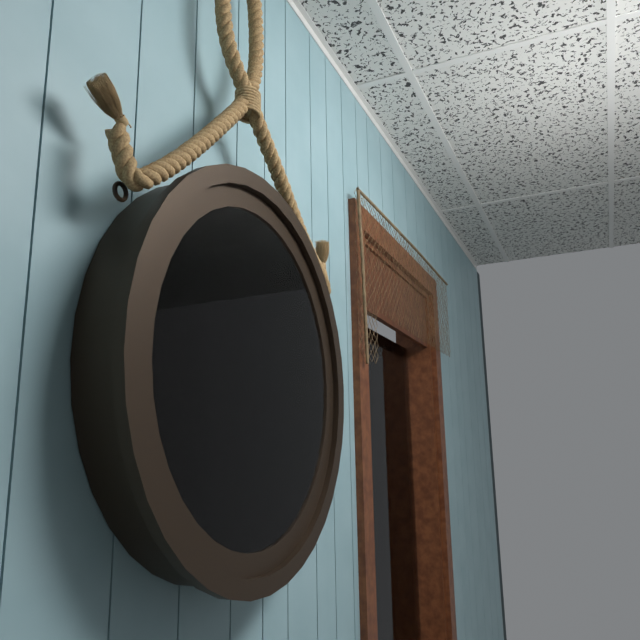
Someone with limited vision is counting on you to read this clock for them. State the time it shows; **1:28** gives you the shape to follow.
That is **12:57**
